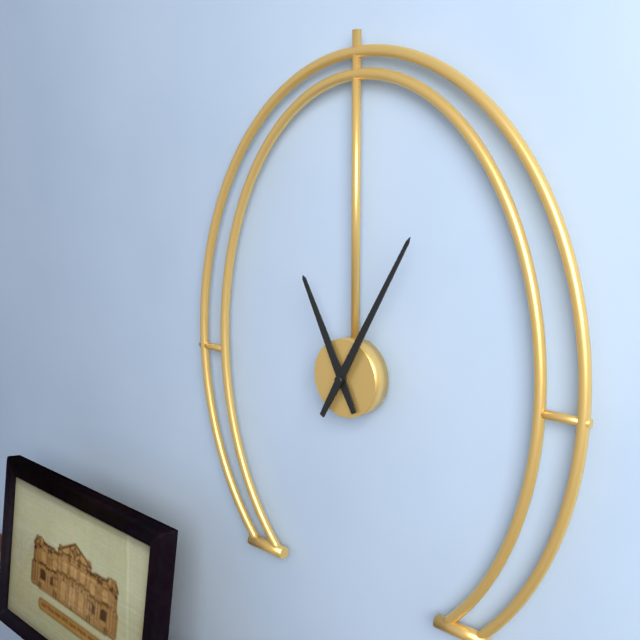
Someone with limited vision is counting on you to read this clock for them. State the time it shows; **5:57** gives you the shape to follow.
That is **11:05**
